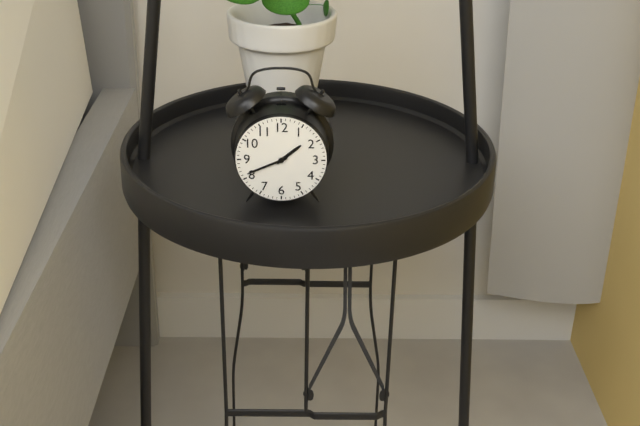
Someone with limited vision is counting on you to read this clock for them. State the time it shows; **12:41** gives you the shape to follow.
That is **1:41**
